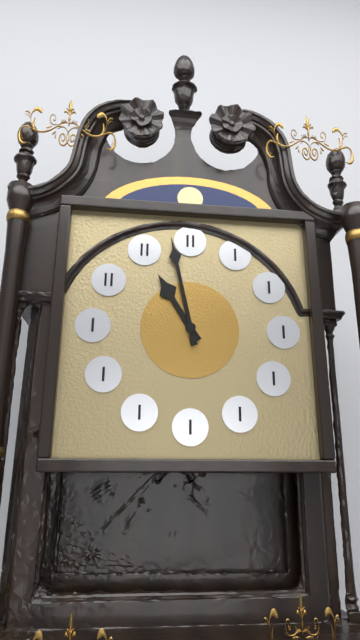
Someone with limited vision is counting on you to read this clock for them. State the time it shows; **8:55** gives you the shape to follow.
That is **10:58**
